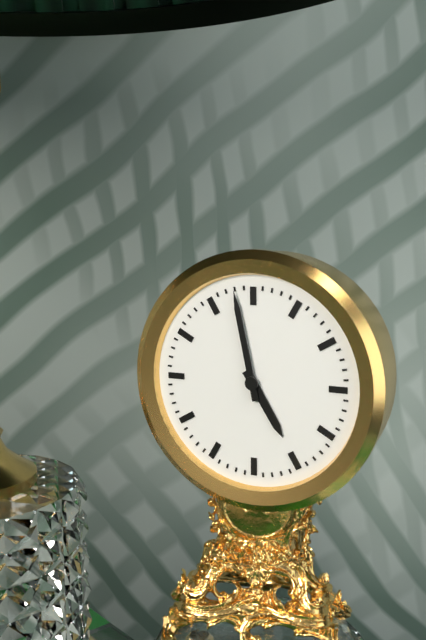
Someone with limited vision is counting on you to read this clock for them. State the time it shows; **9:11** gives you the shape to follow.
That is **4:58**
